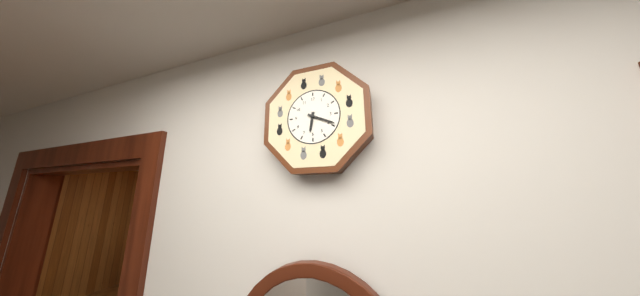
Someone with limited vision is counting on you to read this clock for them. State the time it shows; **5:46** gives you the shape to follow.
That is **6:19**
